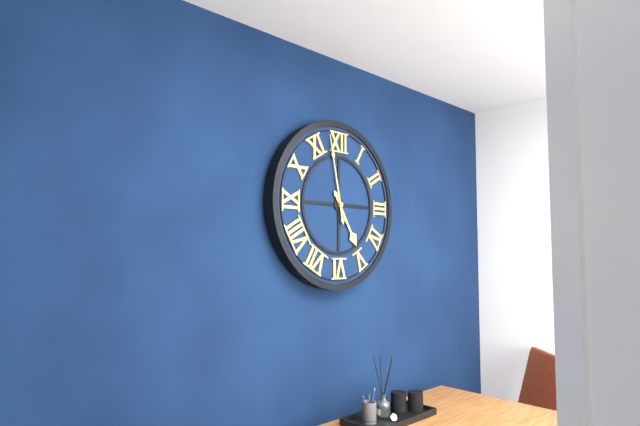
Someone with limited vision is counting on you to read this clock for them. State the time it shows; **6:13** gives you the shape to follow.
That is **4:58**
